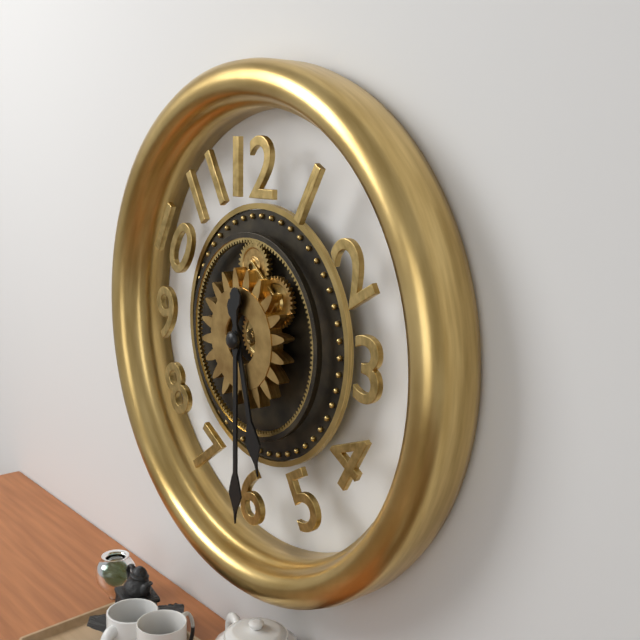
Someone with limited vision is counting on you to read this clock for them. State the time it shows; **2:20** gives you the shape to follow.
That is **5:30**
